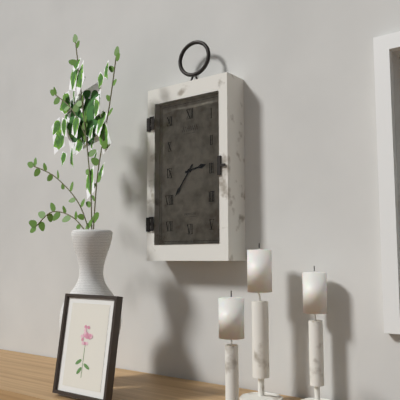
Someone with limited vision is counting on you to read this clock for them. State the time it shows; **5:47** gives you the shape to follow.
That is **2:36**
